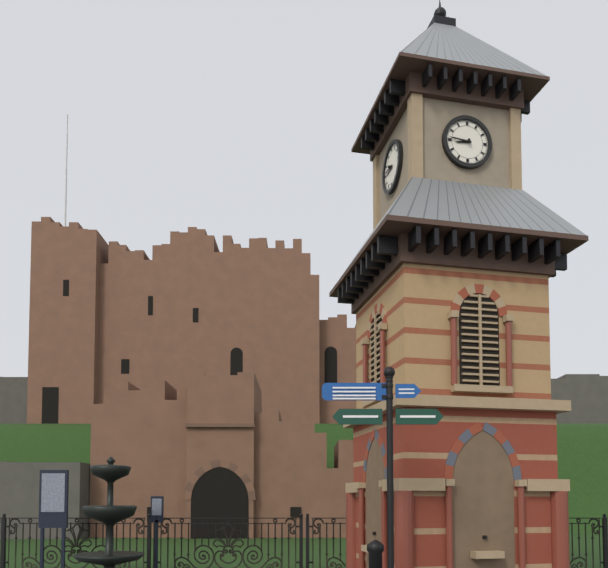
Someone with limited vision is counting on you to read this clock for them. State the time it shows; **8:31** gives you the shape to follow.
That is **8:46**
